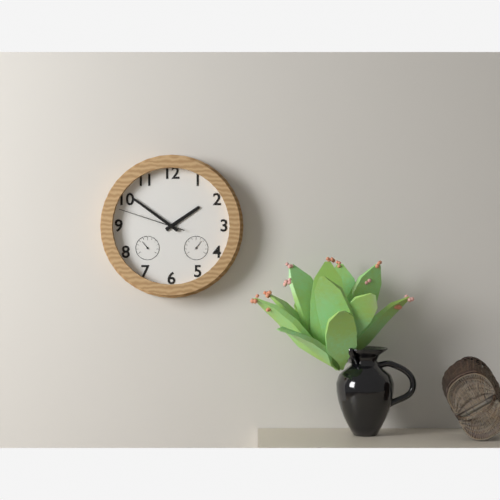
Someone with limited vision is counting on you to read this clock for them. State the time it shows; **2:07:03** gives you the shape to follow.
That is **1:51:48**
